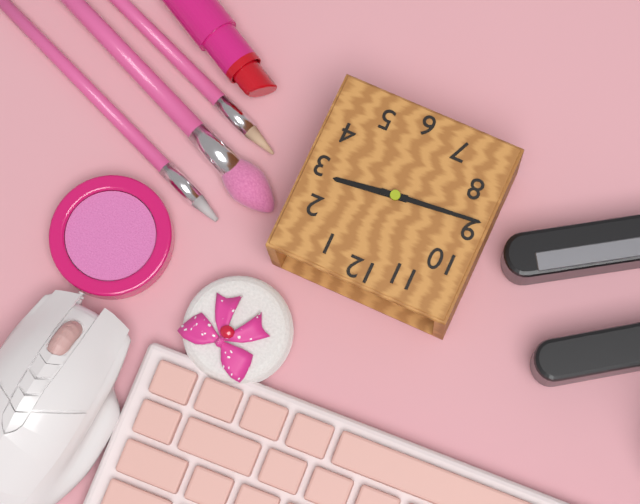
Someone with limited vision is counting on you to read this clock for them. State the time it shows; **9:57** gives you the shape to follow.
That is **2:44**
